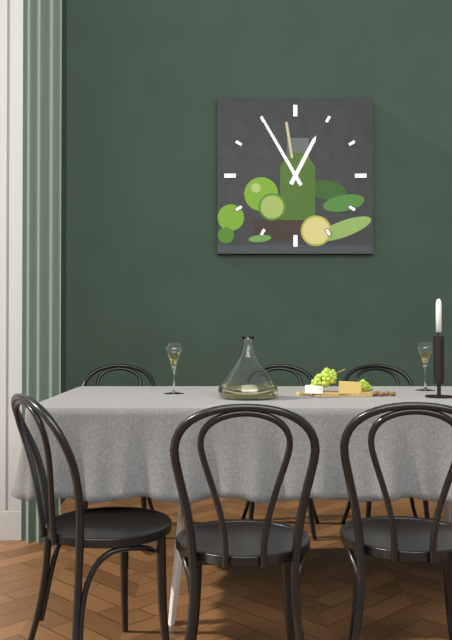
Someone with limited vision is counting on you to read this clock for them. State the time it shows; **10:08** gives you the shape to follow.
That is **12:55**
